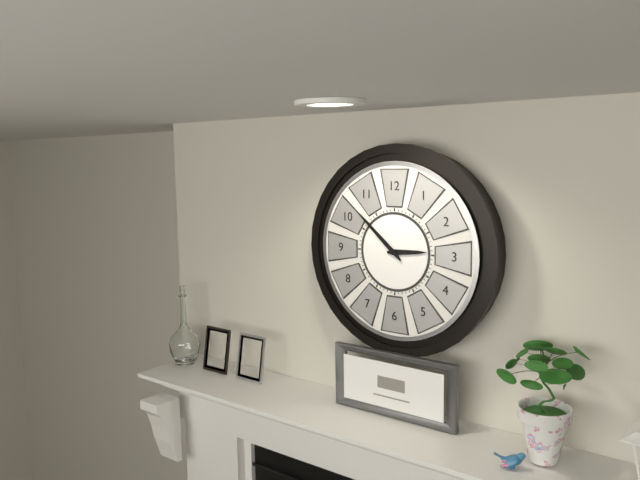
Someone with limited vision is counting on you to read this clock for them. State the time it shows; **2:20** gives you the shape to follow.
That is **2:52**
